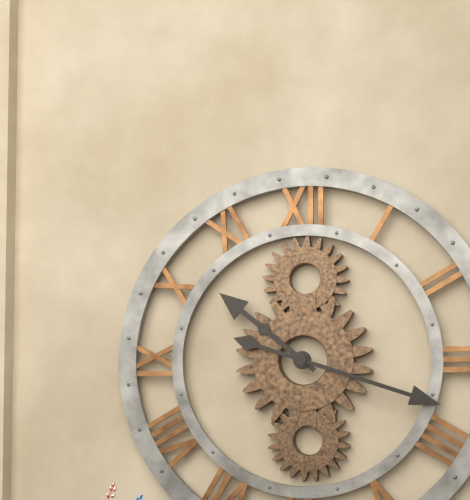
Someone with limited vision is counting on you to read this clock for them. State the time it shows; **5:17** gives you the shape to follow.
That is **10:18**
